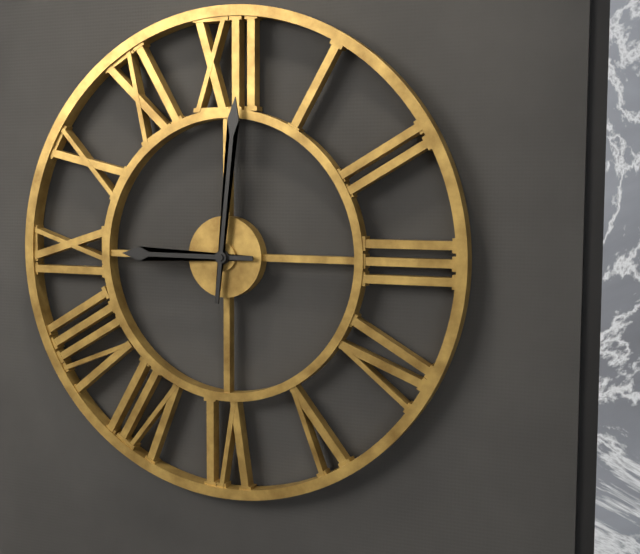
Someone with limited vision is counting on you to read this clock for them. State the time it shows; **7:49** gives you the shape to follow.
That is **9:01**
